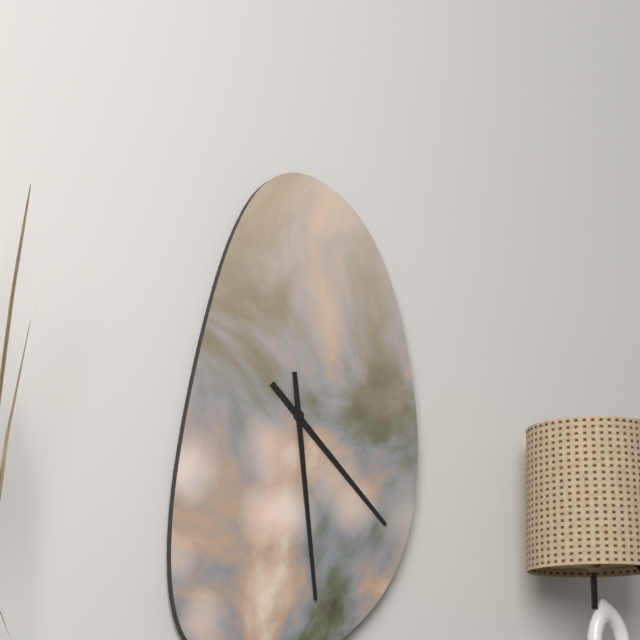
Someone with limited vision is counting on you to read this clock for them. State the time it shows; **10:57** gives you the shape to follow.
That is **4:29**
